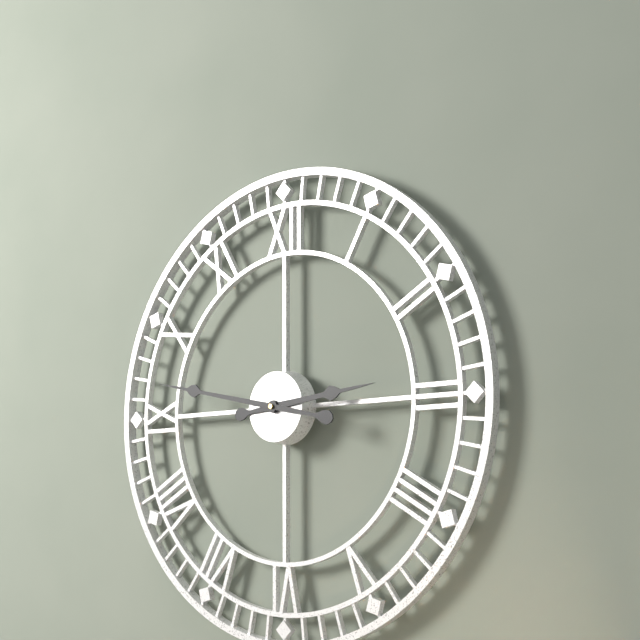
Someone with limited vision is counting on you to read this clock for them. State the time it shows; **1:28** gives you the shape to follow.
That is **2:47**
